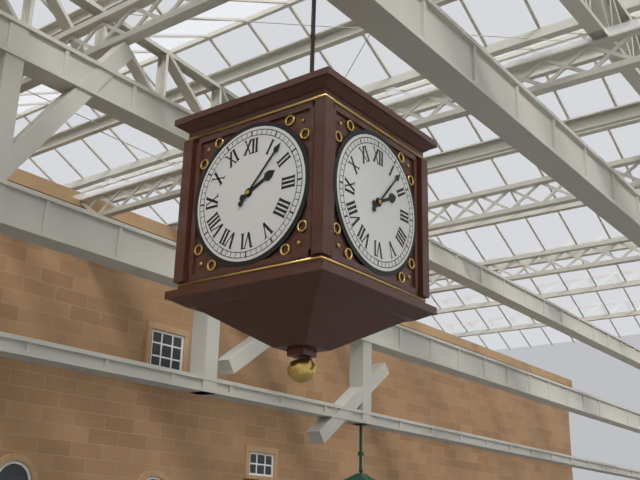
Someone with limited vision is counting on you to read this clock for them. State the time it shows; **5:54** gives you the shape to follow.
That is **2:07**
